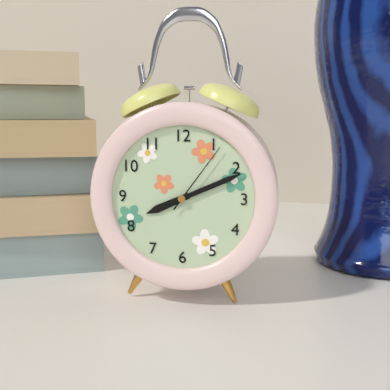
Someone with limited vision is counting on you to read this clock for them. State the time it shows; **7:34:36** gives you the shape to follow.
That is **8:11:06**
